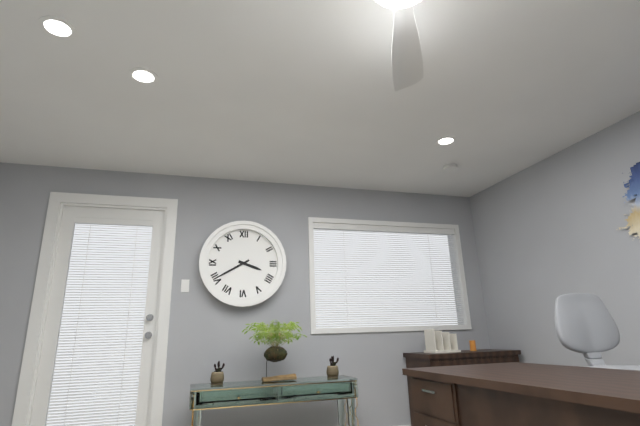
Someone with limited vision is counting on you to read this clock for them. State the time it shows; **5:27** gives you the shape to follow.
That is **3:40**
